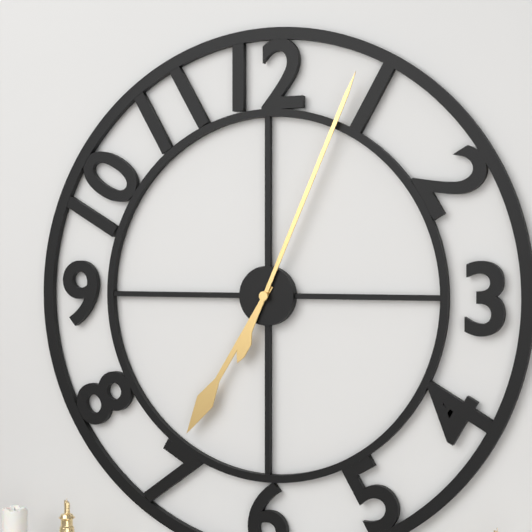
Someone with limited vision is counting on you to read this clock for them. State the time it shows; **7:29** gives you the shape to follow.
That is **7:04**
